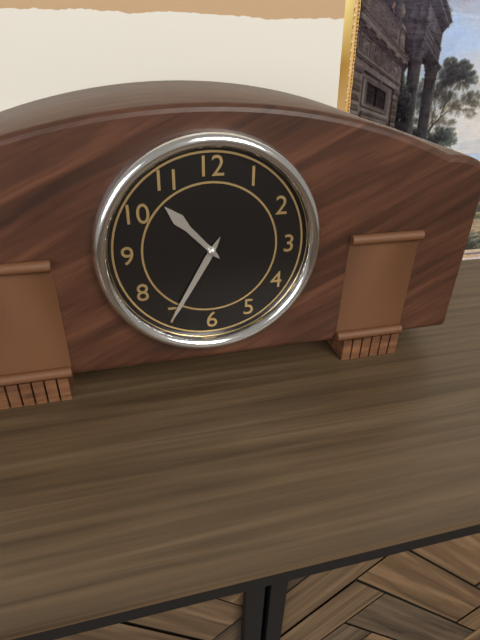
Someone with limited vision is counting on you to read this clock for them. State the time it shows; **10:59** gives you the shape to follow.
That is **10:35**
